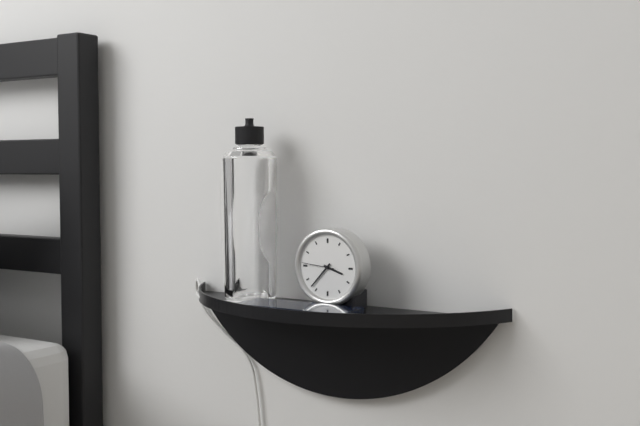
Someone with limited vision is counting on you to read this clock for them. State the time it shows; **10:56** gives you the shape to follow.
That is **3:37**
